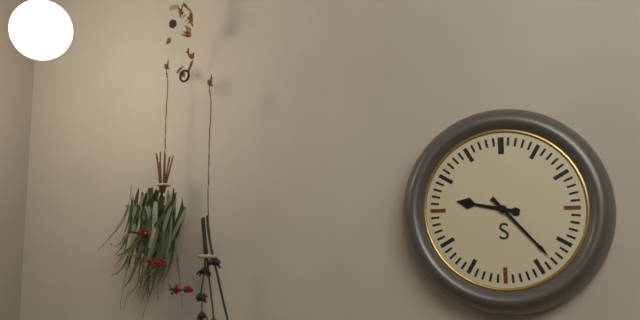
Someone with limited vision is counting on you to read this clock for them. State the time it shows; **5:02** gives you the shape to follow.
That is **9:23**
